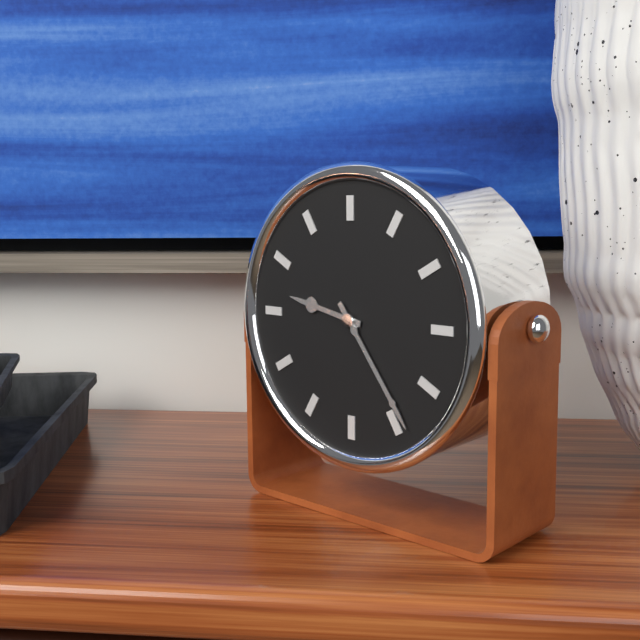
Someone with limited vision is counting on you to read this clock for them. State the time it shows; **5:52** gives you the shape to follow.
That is **9:24**
